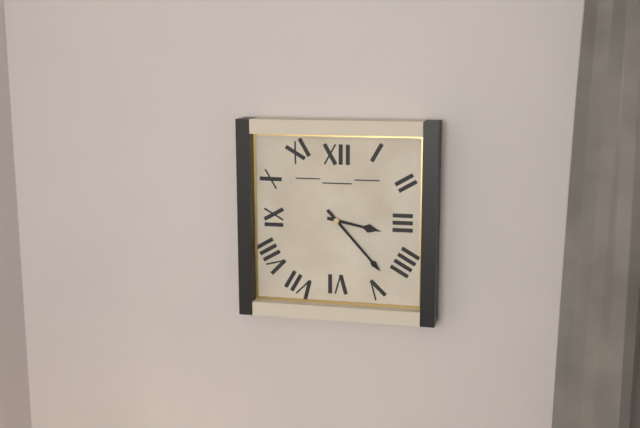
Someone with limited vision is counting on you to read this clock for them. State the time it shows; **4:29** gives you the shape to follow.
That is **3:23**
